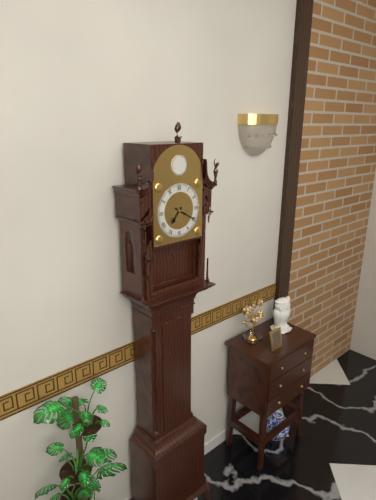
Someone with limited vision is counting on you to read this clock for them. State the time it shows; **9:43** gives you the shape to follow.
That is **7:20**
